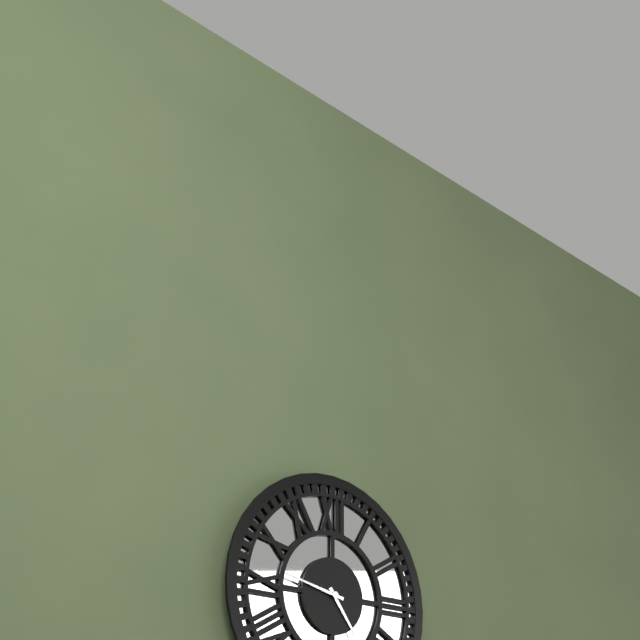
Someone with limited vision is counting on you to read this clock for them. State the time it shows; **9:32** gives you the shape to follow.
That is **4:47**
